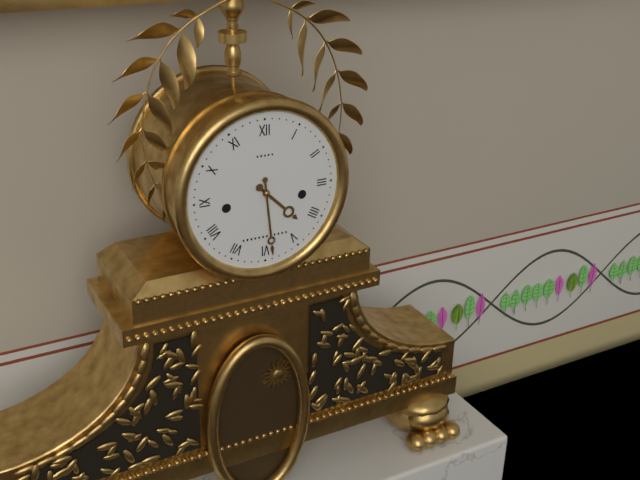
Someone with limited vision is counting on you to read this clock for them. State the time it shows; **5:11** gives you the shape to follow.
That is **4:29**
